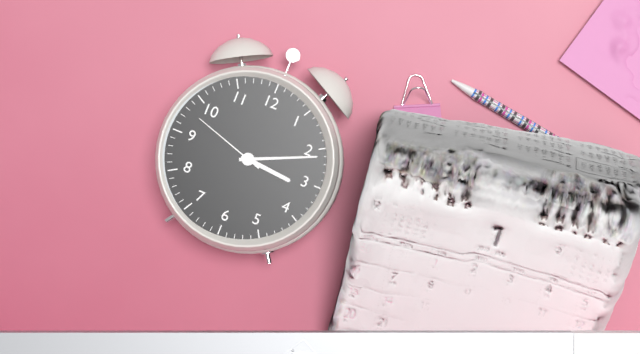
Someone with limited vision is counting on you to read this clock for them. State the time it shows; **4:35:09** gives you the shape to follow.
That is **3:11:48**
